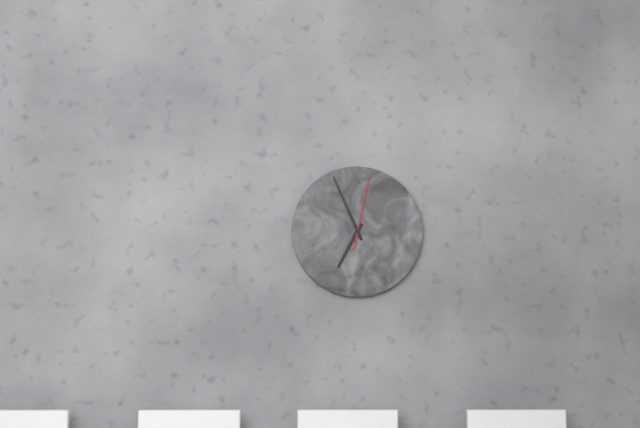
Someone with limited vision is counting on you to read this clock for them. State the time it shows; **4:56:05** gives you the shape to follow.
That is **6:56:02**
